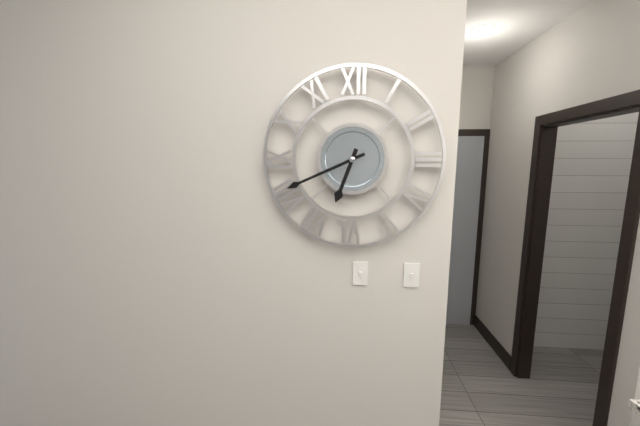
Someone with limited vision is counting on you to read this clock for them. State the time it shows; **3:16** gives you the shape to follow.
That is **6:41**
